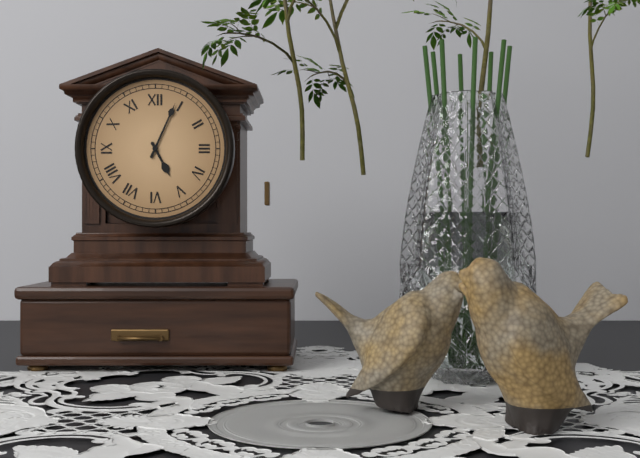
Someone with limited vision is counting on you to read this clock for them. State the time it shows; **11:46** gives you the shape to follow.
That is **5:04**
